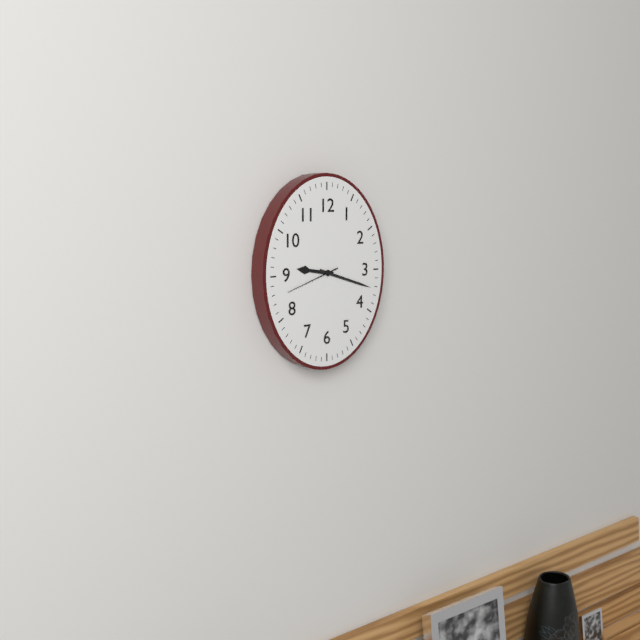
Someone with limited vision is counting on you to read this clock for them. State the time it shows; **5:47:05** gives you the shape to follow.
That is **9:18:42**
